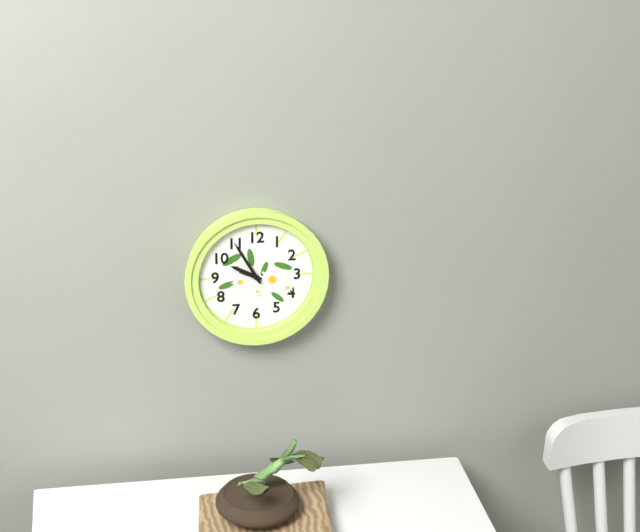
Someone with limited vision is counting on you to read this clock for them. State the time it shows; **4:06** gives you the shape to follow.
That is **9:55**
